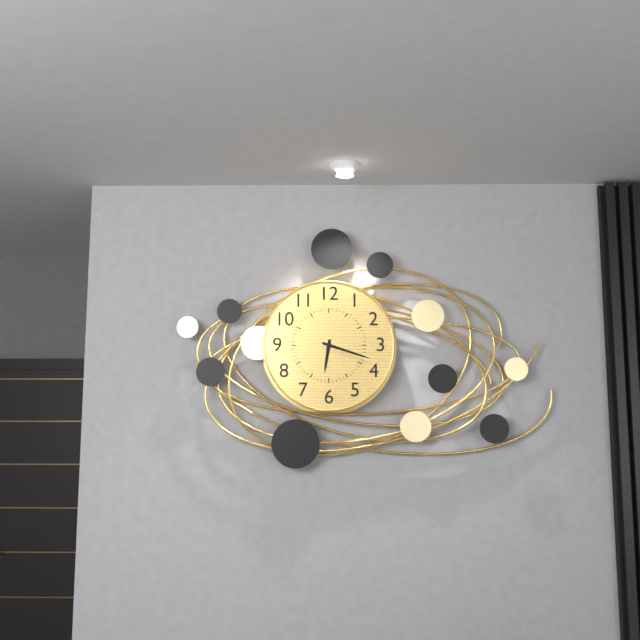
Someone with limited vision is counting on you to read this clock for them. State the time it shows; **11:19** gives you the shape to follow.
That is **6:18**
